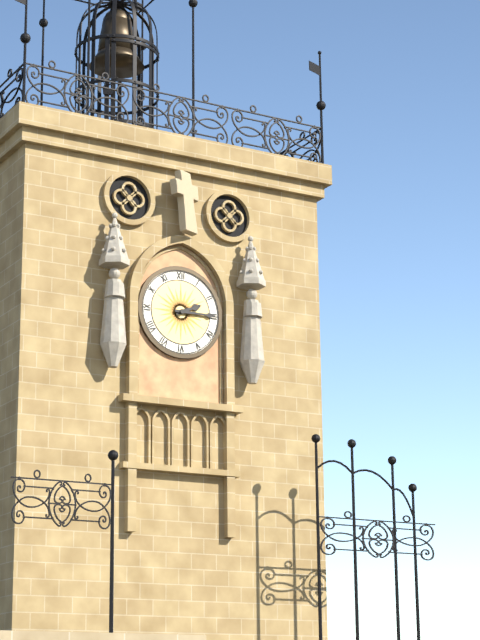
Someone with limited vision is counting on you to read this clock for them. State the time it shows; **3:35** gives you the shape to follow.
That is **2:15**
